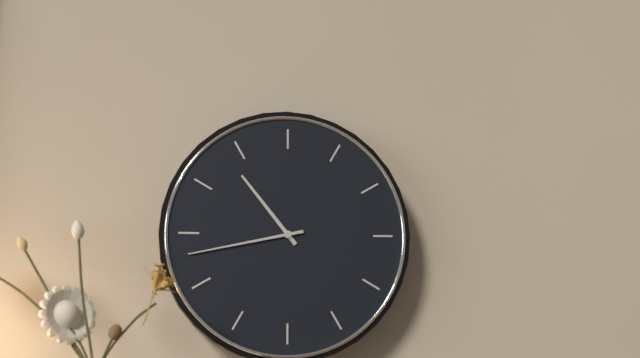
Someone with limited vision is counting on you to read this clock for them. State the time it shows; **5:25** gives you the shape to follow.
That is **10:43**
